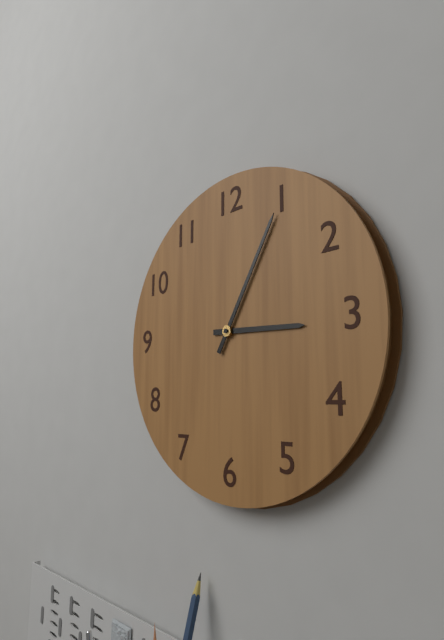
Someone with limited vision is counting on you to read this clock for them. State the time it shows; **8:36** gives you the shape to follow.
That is **3:05**
